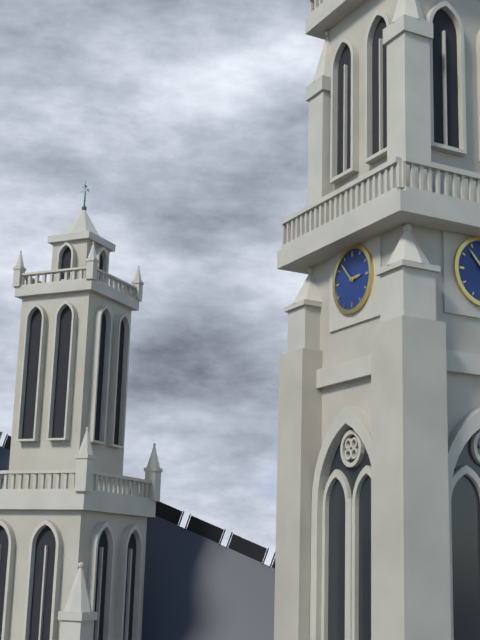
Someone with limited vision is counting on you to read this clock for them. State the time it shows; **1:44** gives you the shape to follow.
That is **2:53**
